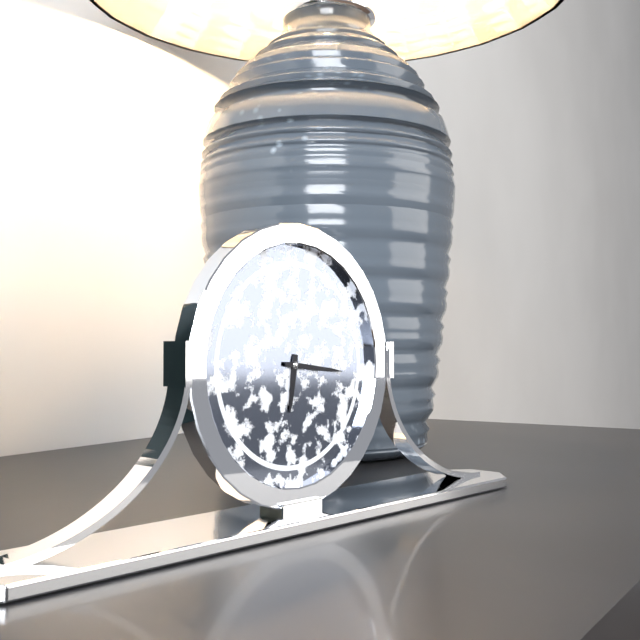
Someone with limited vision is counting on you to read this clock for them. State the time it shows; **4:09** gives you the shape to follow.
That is **6:16**
